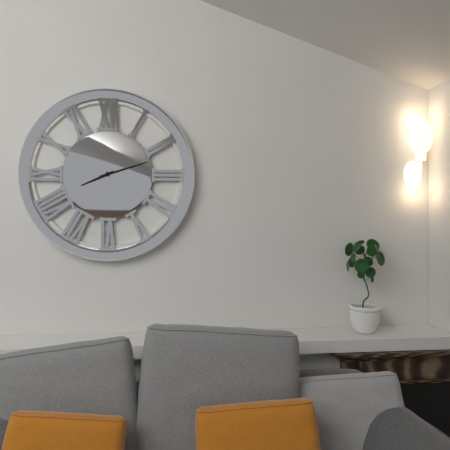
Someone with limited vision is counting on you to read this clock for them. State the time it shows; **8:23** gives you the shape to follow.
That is **8:12**
